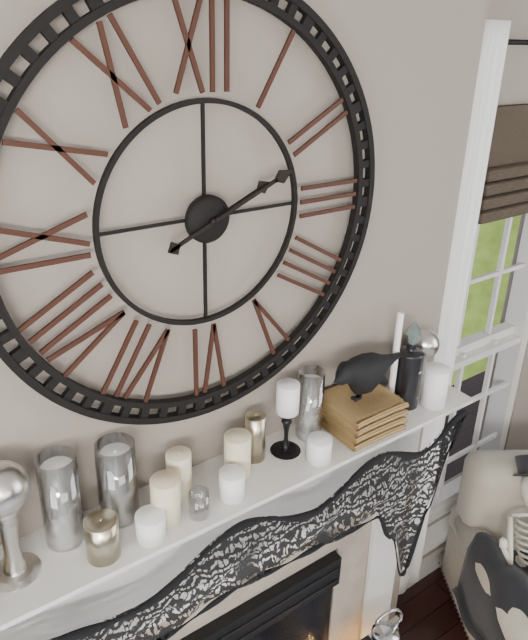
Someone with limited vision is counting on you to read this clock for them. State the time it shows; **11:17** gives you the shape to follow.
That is **2:11**
